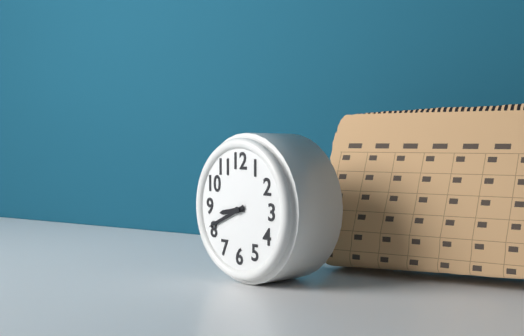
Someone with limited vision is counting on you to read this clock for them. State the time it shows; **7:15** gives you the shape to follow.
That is **8:41**
